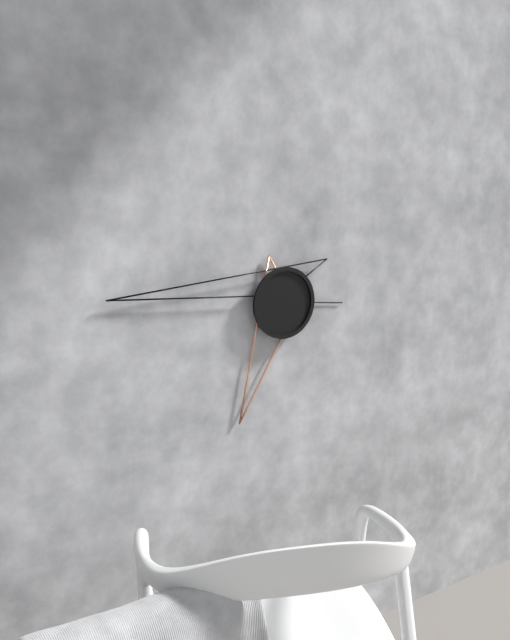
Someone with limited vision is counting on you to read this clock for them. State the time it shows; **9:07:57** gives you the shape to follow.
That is **6:46:16**
